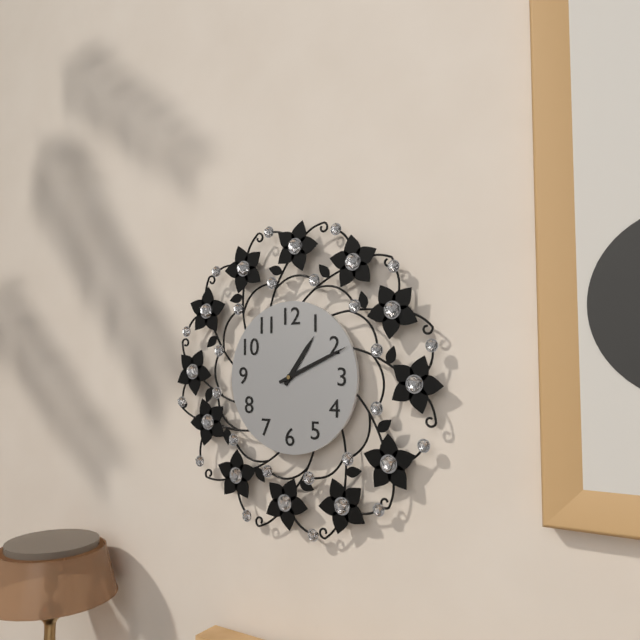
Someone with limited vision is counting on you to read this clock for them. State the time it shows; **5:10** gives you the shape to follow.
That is **1:11**
